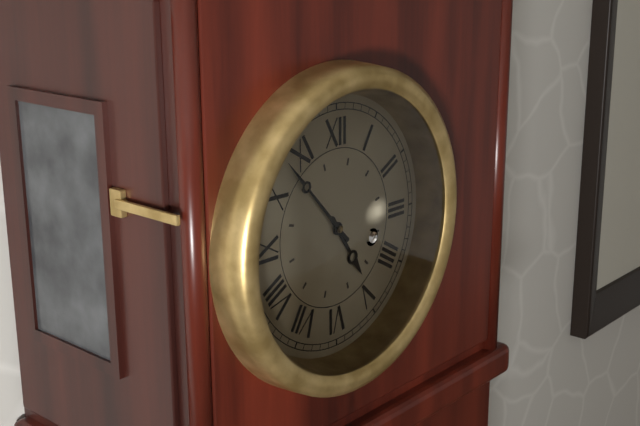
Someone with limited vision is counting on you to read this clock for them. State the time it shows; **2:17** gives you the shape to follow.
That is **4:53**
